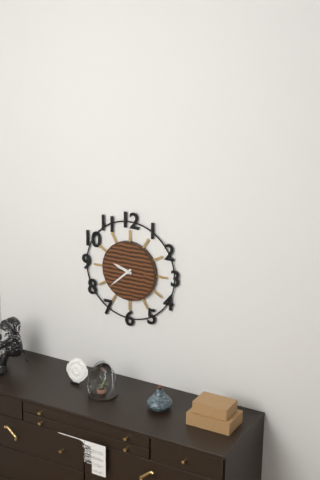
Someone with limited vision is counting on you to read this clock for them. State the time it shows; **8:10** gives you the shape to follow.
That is **9:38**
